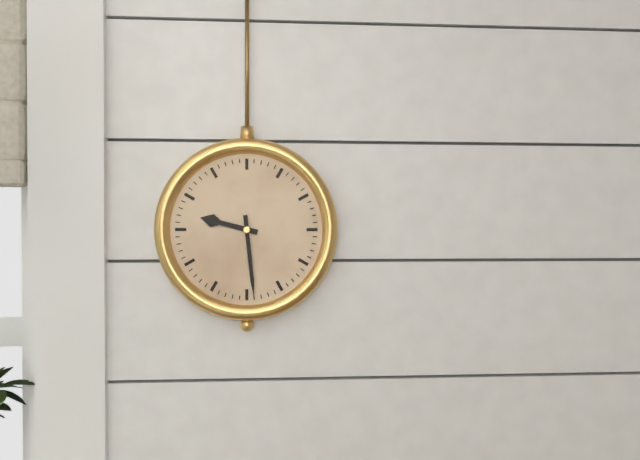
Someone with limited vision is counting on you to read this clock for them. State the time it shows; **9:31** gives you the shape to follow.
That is **9:29**
